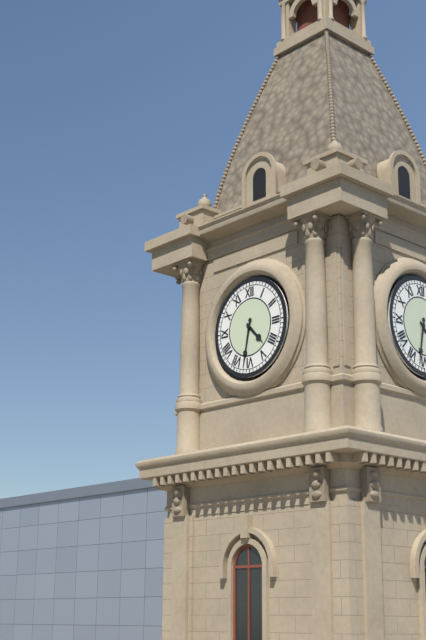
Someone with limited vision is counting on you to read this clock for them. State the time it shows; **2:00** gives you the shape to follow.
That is **4:32**
